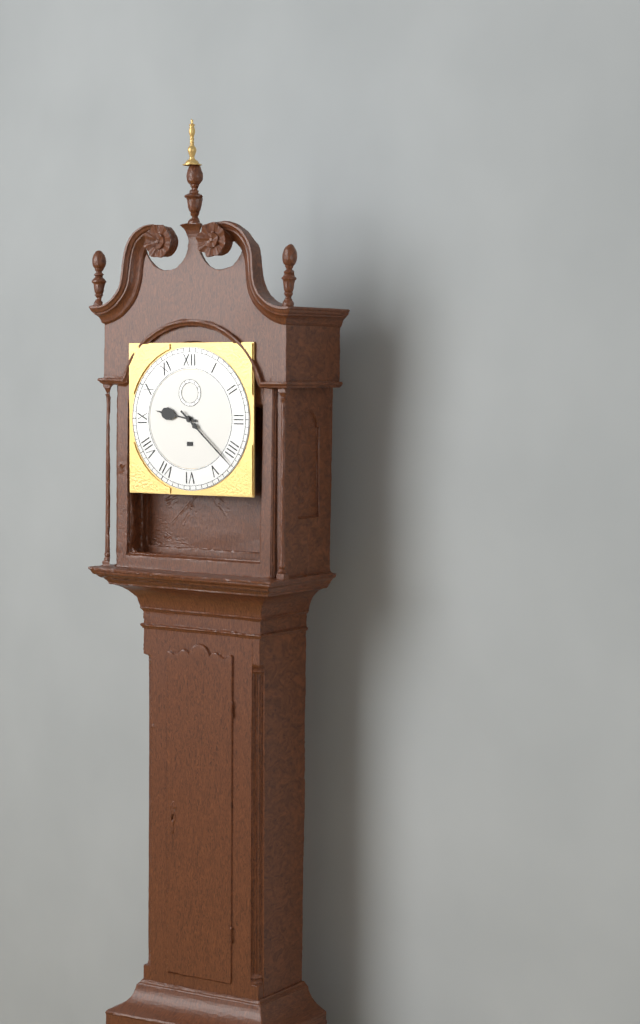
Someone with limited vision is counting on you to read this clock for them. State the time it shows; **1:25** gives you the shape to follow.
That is **9:22**
